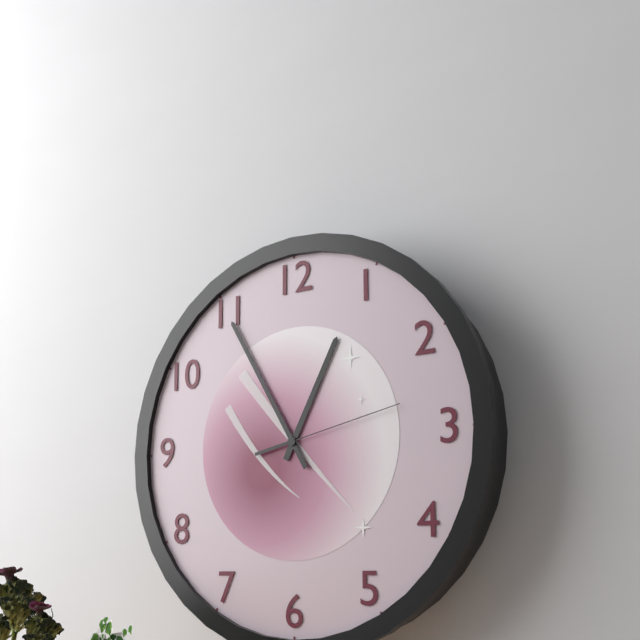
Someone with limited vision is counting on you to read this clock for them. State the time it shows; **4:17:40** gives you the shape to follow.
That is **12:55:13**
